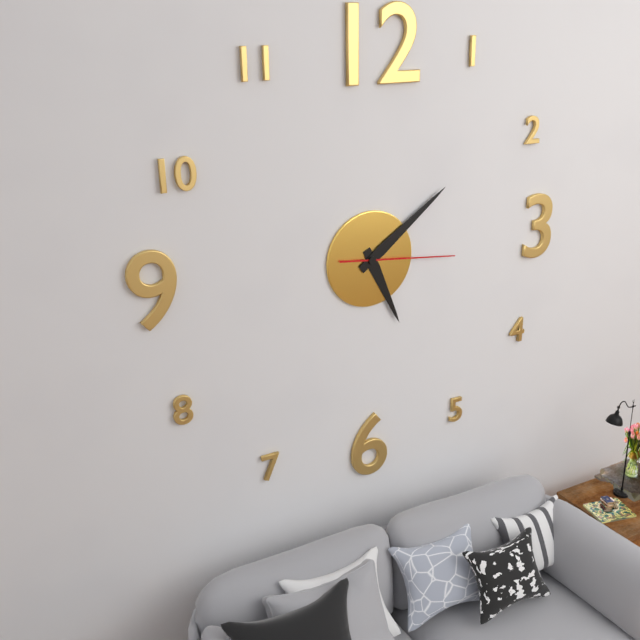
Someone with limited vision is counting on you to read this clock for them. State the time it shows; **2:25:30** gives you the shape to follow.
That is **5:09:16**
